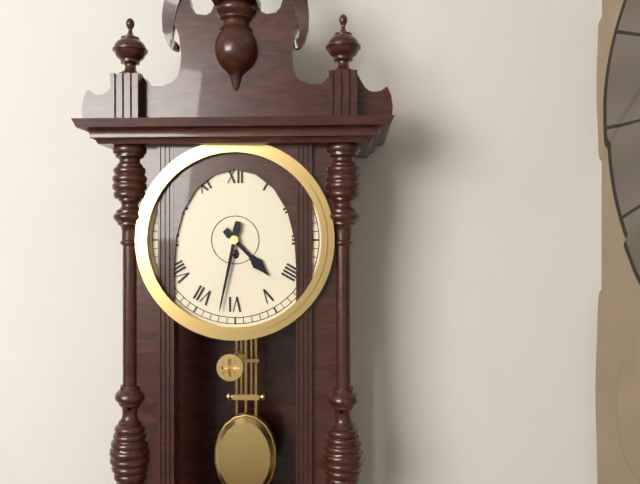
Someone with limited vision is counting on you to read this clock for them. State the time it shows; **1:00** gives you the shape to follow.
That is **4:32**
